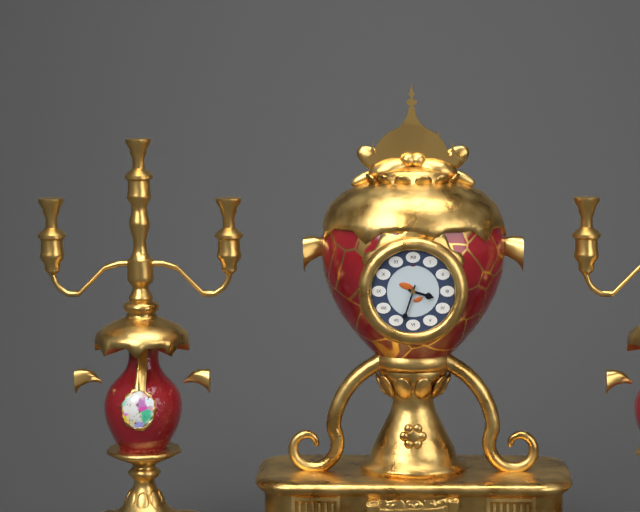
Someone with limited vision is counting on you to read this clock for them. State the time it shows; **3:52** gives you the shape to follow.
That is **3:33**
